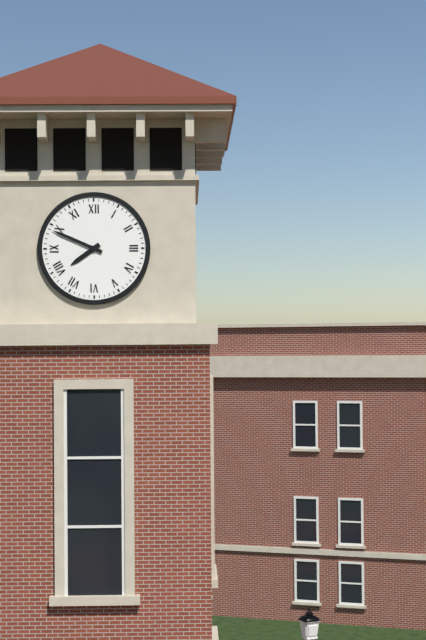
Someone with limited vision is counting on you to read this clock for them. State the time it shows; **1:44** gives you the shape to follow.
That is **7:49**
